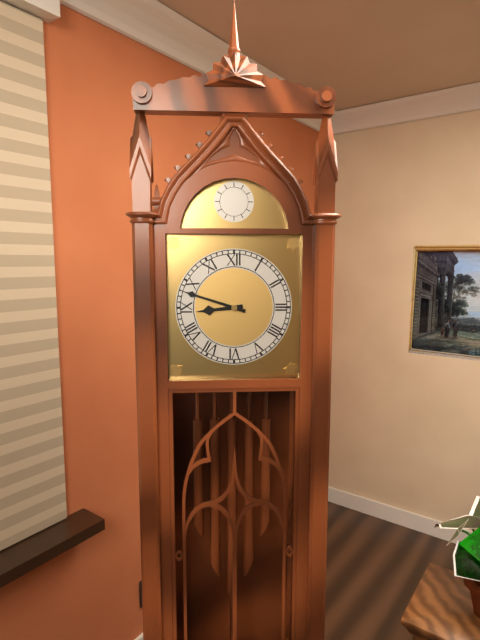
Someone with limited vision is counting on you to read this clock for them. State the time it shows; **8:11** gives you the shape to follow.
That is **8:48**
